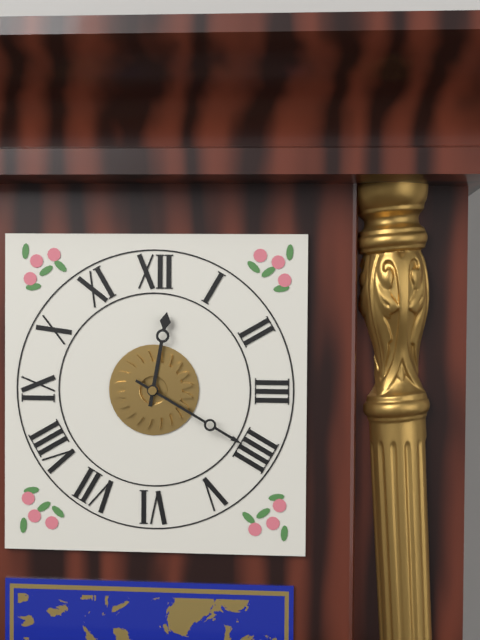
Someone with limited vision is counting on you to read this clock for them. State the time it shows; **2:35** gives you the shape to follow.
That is **12:20**
